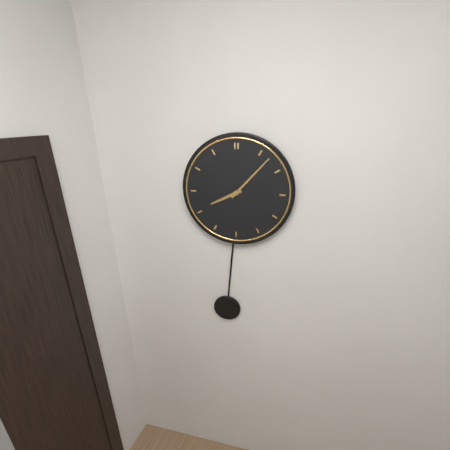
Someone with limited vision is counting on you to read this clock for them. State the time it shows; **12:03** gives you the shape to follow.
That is **8:07**
